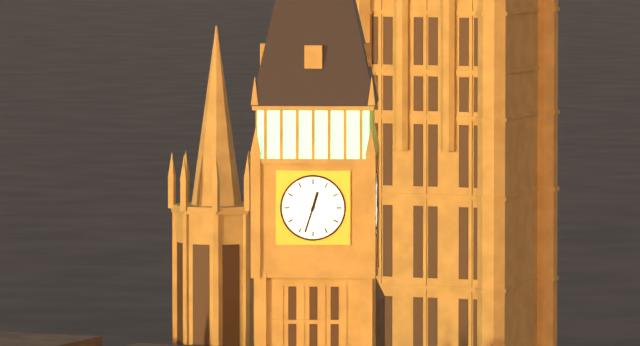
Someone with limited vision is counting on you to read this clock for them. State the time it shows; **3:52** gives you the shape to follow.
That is **12:33**
